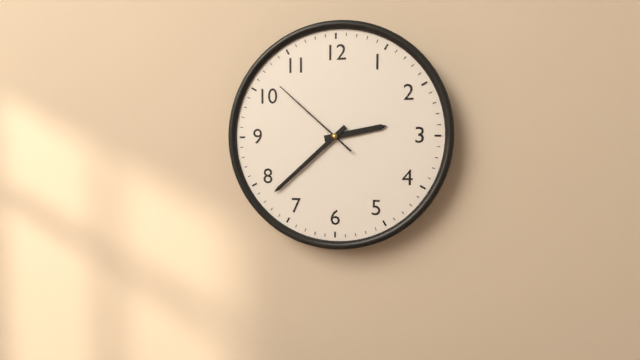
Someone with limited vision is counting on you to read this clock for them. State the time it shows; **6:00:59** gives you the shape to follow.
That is **2:38:52**
